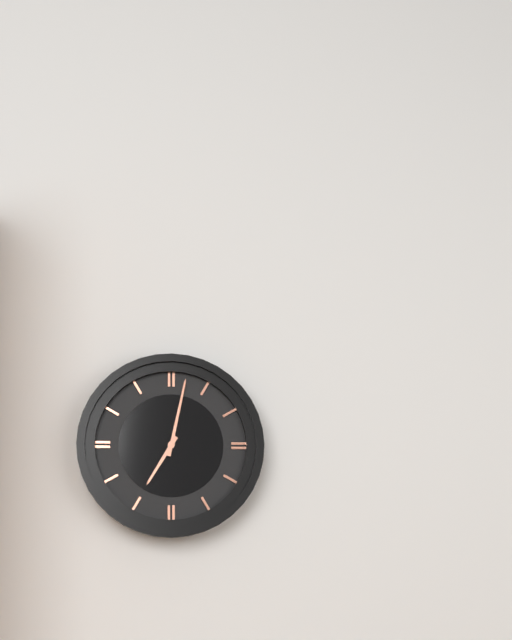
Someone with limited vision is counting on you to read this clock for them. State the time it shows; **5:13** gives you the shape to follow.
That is **7:02**
